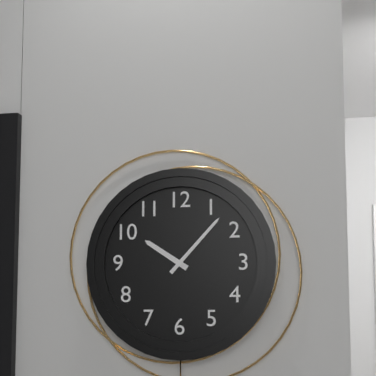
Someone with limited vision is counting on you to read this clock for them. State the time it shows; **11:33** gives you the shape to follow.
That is **10:07**
